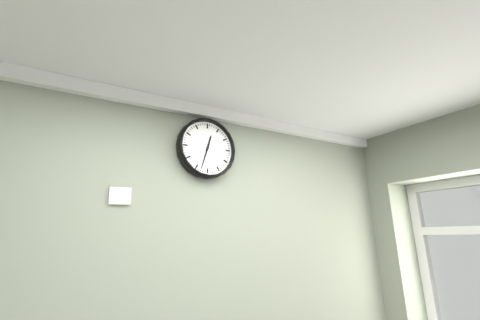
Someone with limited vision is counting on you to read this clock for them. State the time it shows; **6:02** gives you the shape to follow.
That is **12:33**
